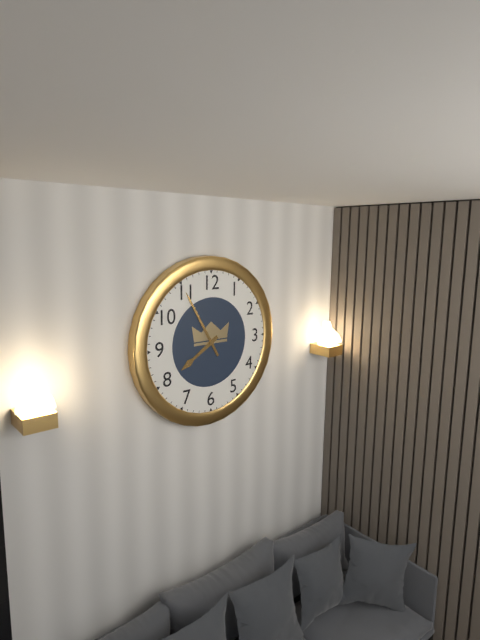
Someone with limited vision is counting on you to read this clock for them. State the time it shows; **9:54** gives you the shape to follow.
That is **7:55**
